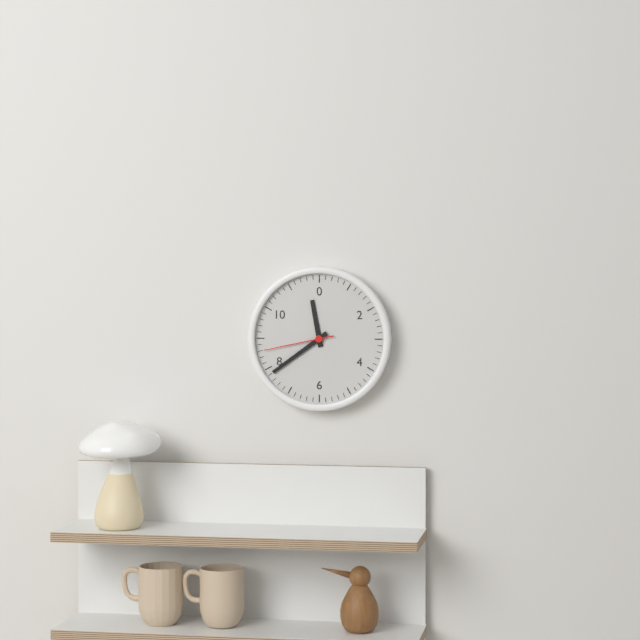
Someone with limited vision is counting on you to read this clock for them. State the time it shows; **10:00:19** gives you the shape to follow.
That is **11:39:43**
